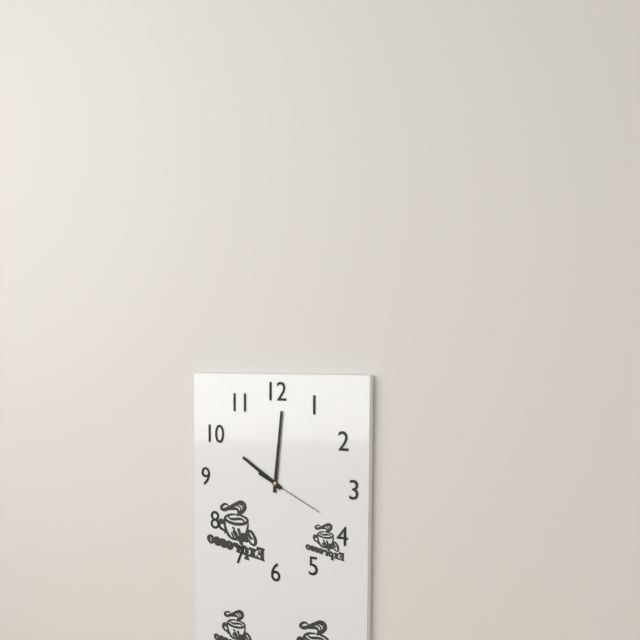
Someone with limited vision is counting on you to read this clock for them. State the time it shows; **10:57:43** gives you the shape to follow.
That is **10:01:19**
